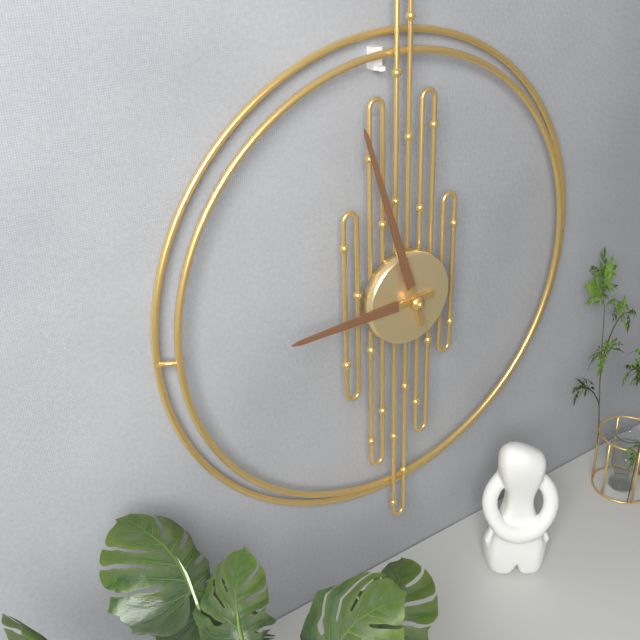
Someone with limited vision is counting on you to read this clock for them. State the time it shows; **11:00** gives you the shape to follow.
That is **8:57**
